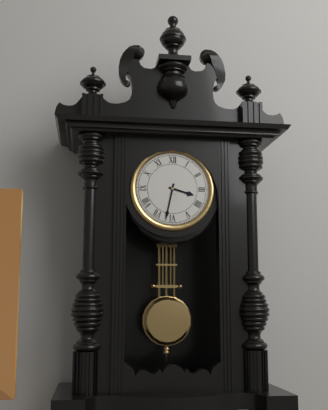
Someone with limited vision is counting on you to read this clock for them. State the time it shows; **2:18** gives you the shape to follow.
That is **3:32**
